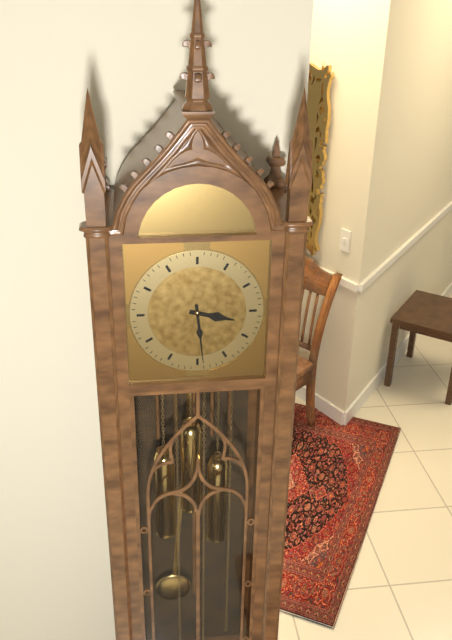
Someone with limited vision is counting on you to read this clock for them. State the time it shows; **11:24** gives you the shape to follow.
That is **3:29**
